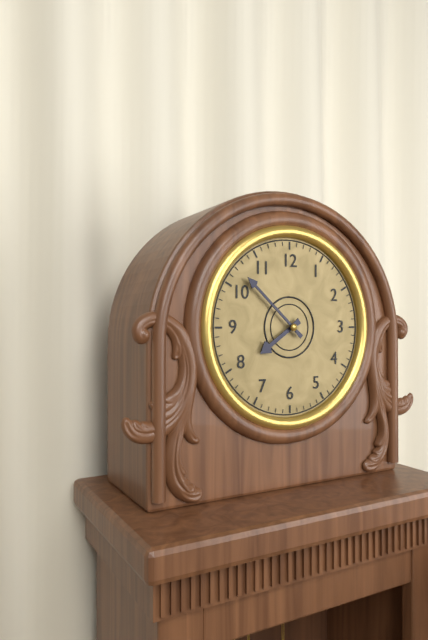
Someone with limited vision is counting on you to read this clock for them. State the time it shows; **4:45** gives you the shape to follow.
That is **7:52**
